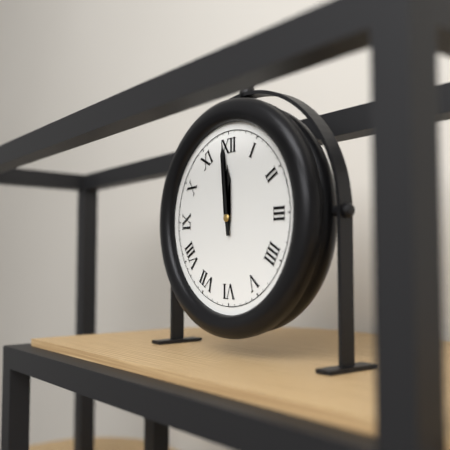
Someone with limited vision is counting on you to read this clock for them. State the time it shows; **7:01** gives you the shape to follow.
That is **11:59**
